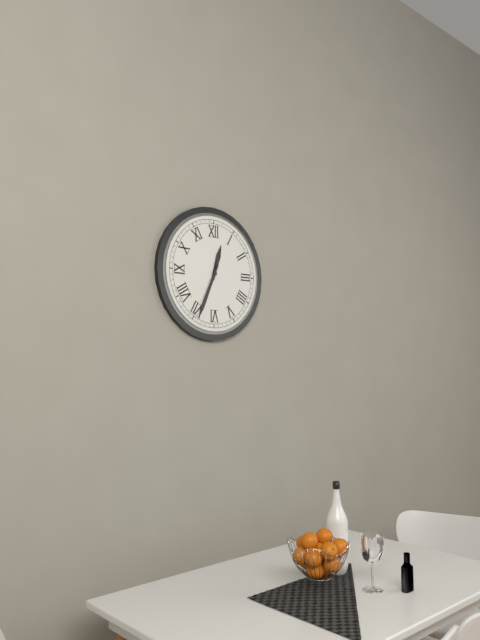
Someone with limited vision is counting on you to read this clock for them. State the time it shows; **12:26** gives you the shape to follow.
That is **12:34**
